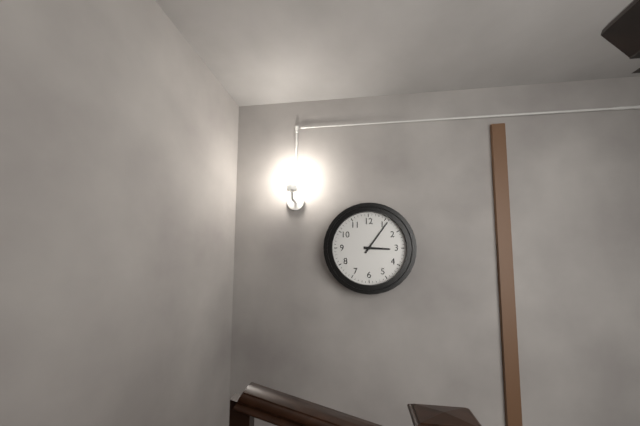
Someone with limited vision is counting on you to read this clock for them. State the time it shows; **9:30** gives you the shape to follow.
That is **3:06**
